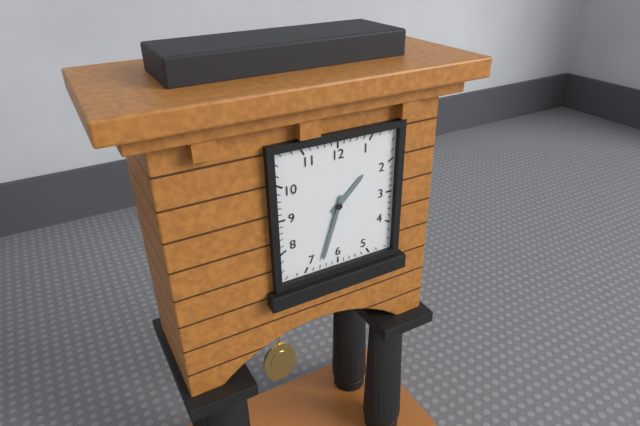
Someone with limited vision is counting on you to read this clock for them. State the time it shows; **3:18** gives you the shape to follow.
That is **1:33**
